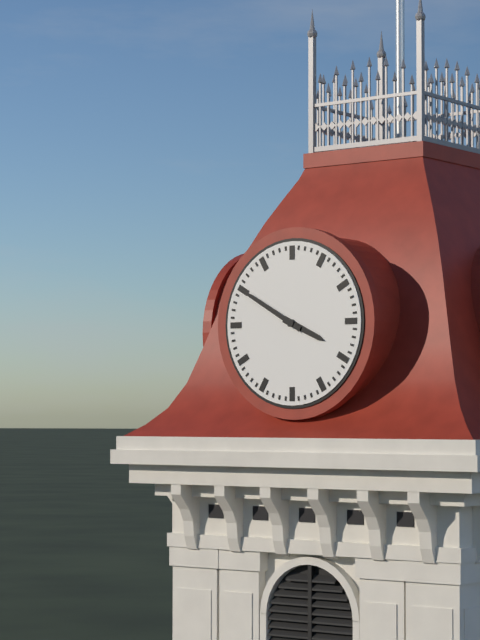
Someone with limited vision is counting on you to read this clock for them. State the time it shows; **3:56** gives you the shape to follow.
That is **3:50**
